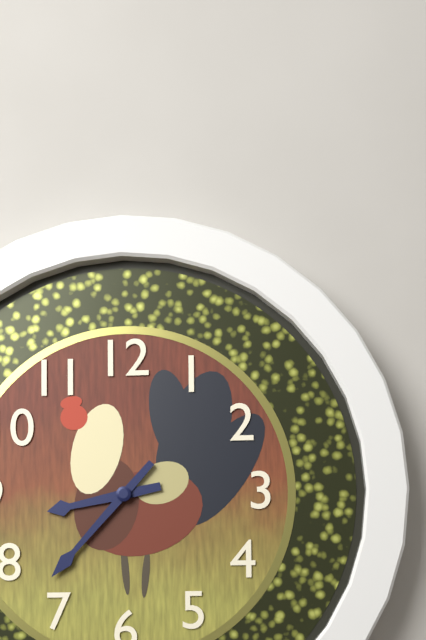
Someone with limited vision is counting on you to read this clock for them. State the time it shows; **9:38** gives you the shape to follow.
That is **8:37**
